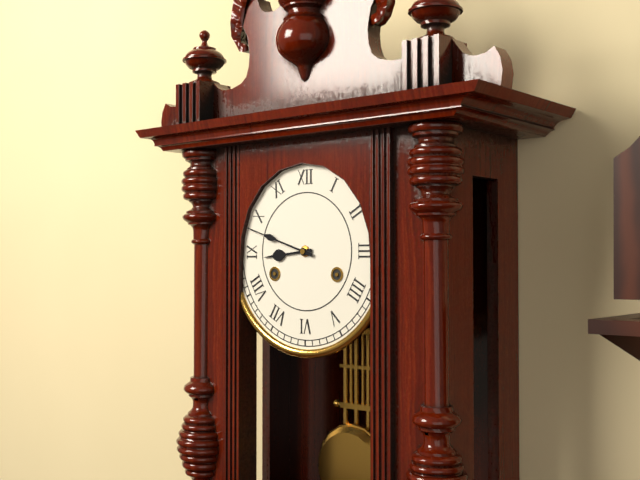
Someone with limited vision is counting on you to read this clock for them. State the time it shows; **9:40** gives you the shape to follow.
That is **8:48**
